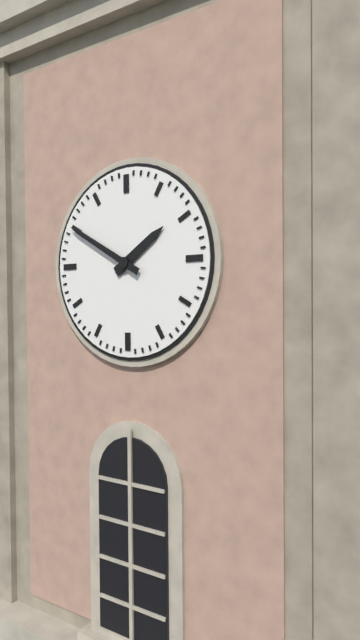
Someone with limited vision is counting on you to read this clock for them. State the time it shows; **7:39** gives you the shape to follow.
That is **1:50**
